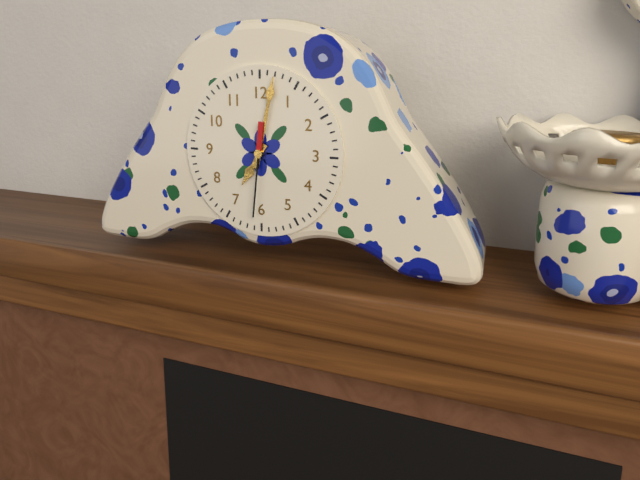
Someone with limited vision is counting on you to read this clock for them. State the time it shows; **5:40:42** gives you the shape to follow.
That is **7:02:31**
